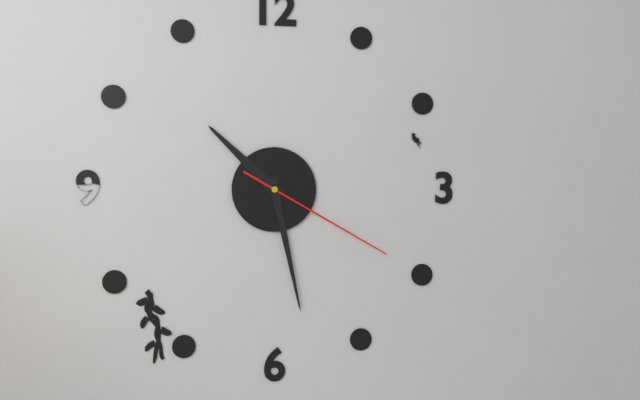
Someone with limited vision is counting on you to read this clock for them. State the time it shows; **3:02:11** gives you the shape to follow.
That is **10:28:20**
